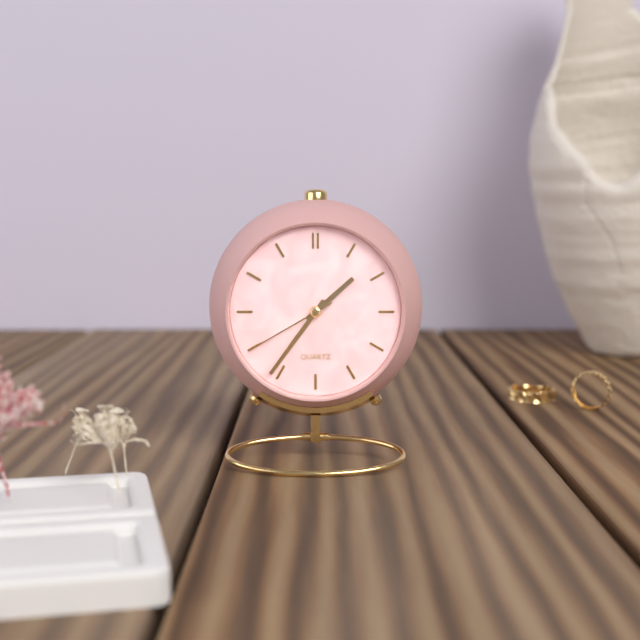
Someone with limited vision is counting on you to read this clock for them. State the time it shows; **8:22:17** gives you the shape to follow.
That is **1:36:40**
